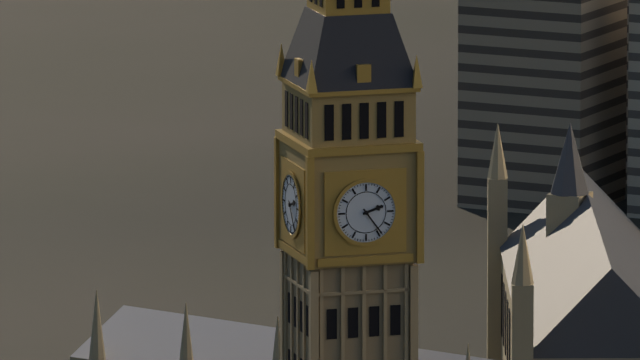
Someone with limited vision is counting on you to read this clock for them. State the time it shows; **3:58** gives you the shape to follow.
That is **2:24**
